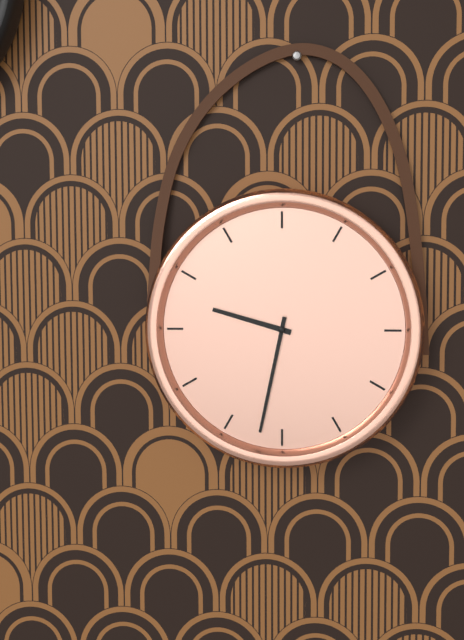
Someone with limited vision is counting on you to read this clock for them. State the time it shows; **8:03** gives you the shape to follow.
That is **9:32**
